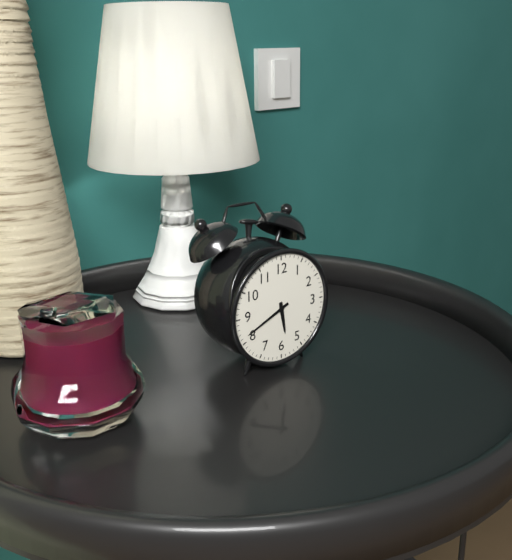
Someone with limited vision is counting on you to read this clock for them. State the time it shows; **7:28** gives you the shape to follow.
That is **5:41**
